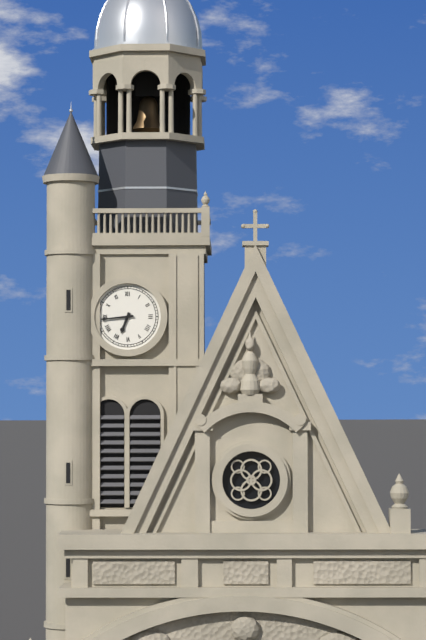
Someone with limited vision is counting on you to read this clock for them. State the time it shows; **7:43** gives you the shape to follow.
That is **6:44**
